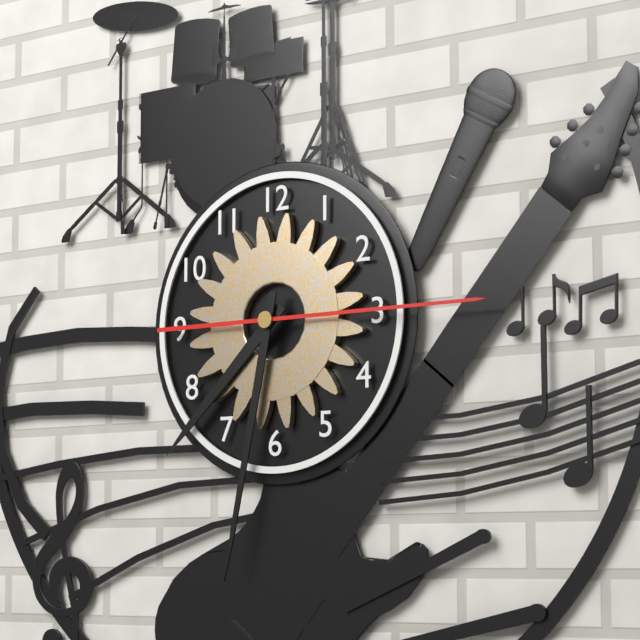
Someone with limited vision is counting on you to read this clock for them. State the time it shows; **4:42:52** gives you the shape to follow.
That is **7:32:15**
